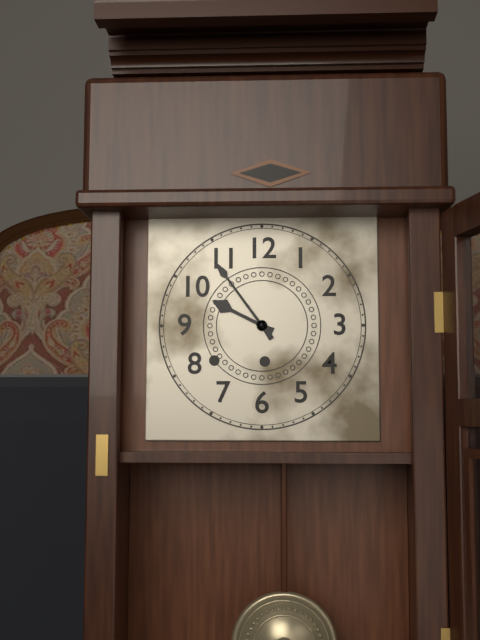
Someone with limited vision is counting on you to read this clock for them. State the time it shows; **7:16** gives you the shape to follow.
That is **9:54**
